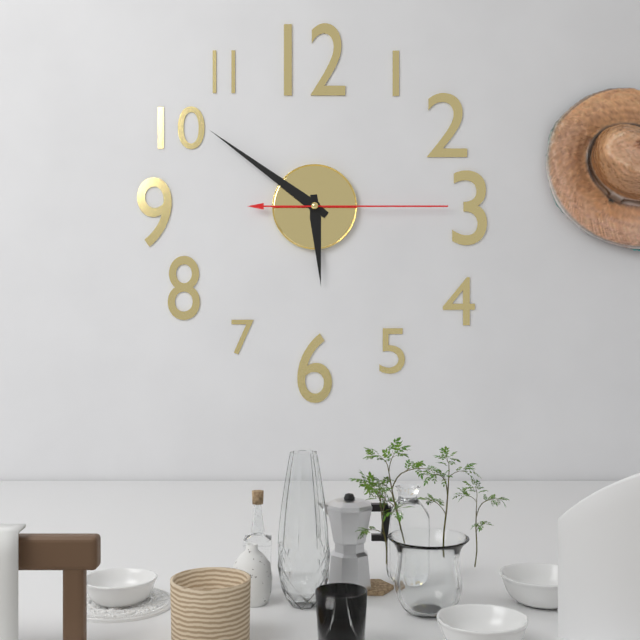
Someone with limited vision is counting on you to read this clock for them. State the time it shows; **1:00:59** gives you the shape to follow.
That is **5:51:15**
